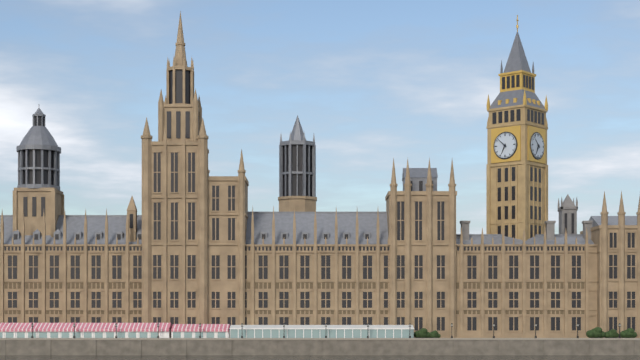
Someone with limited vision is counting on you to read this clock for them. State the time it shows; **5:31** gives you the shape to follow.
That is **6:52**
